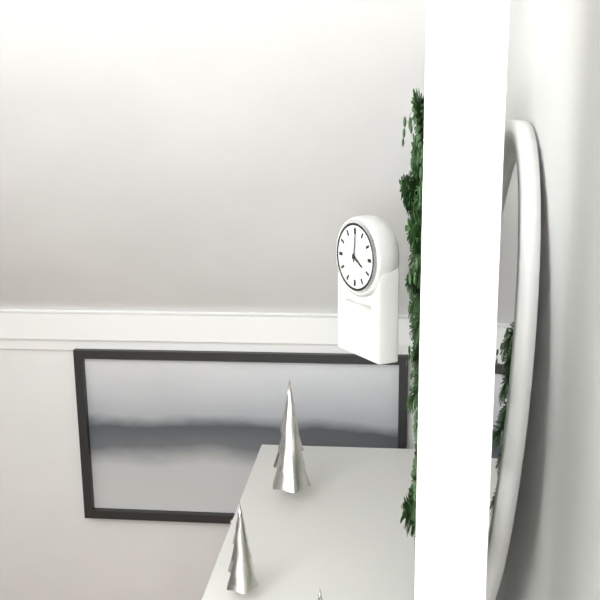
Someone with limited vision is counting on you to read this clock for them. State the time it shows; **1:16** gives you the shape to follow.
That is **4:01**
